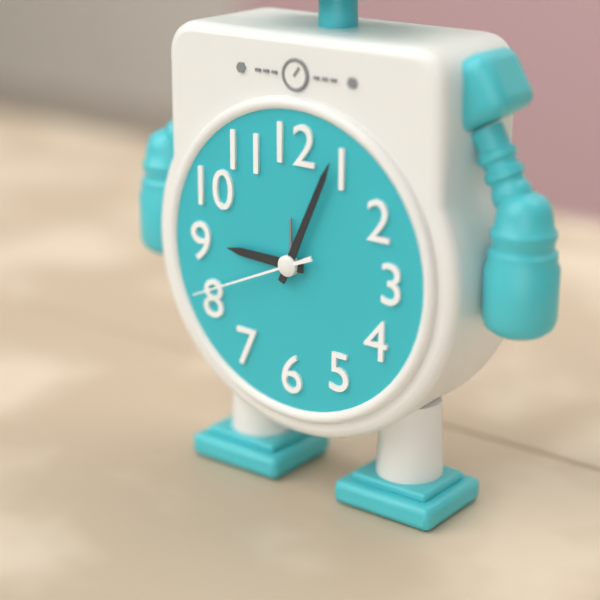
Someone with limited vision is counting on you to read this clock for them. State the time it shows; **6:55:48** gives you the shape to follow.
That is **9:04:41**
